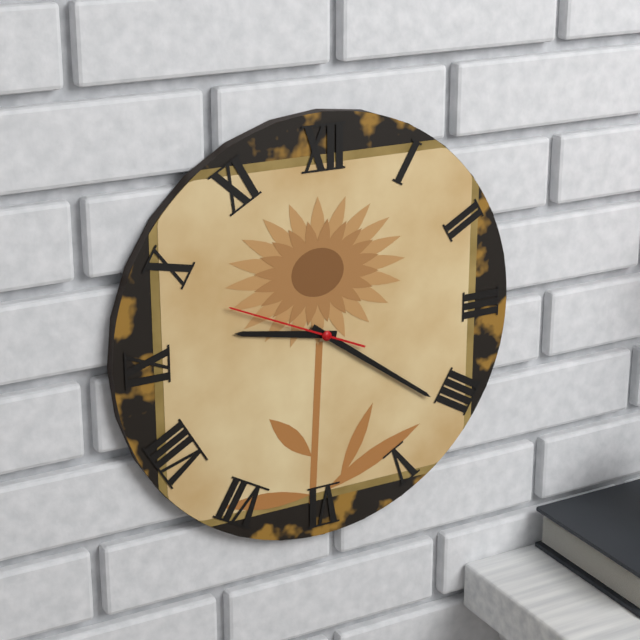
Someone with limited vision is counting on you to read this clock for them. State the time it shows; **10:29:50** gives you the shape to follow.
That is **9:21:49**
